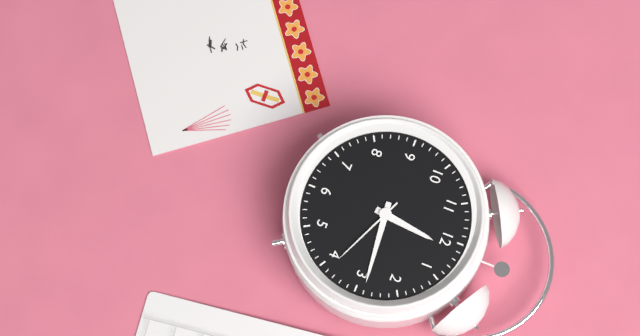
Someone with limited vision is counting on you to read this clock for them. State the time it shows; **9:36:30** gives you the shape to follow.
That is **12:14:19**
